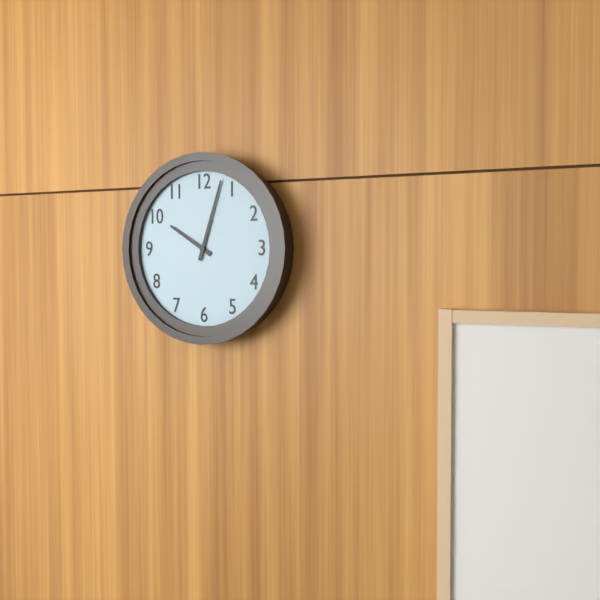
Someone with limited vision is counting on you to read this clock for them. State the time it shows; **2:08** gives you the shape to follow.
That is **10:03**
